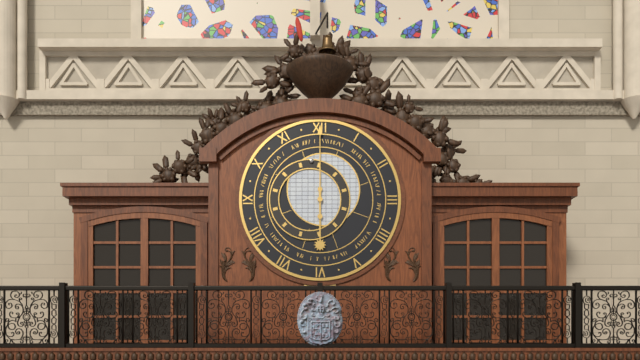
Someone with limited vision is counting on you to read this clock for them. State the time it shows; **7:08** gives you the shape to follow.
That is **6:00**
